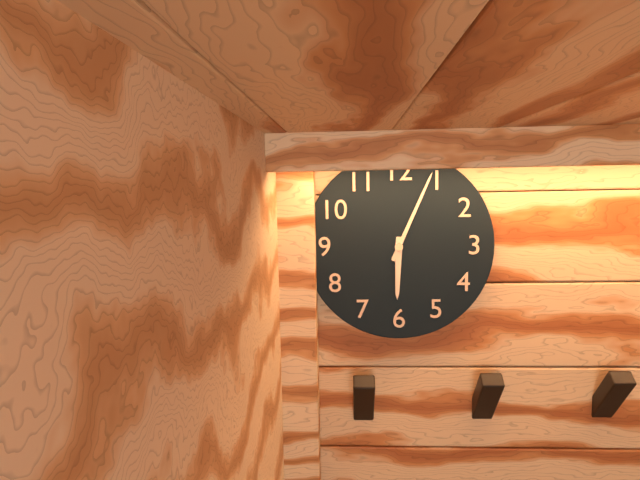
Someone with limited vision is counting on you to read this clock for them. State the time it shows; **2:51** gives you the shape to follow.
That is **6:04**
